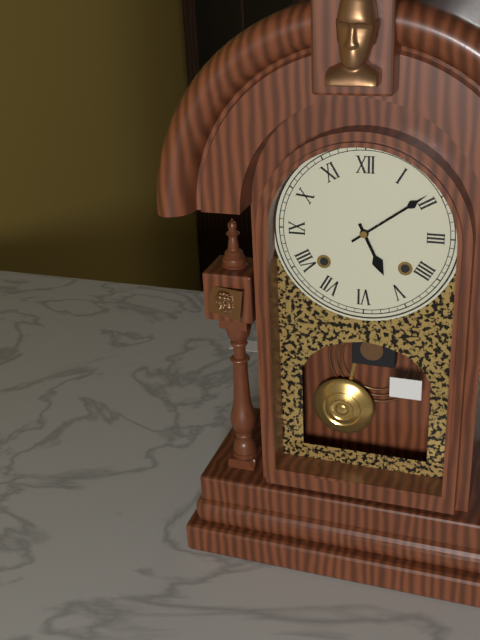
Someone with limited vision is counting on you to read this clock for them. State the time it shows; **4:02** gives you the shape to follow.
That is **5:09**
